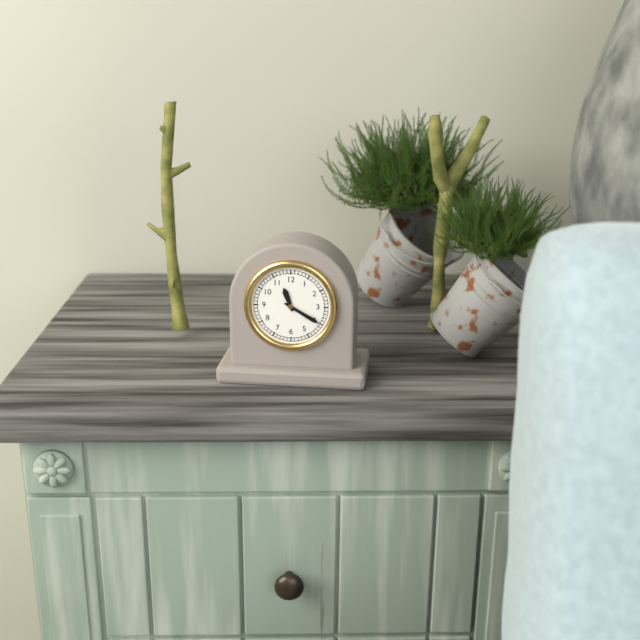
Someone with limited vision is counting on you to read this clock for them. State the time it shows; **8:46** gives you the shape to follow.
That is **11:20**
